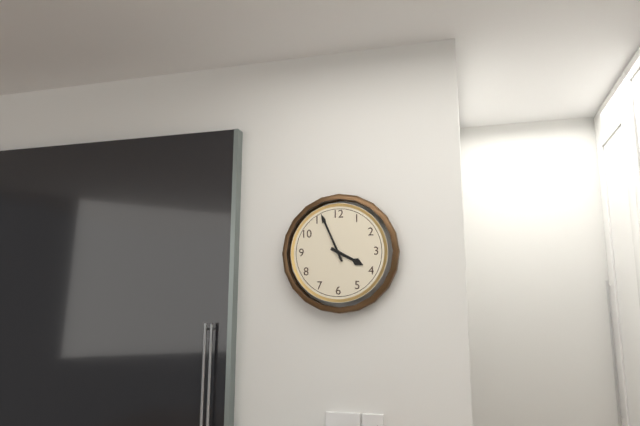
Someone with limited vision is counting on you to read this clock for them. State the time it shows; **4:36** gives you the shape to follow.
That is **3:56**
